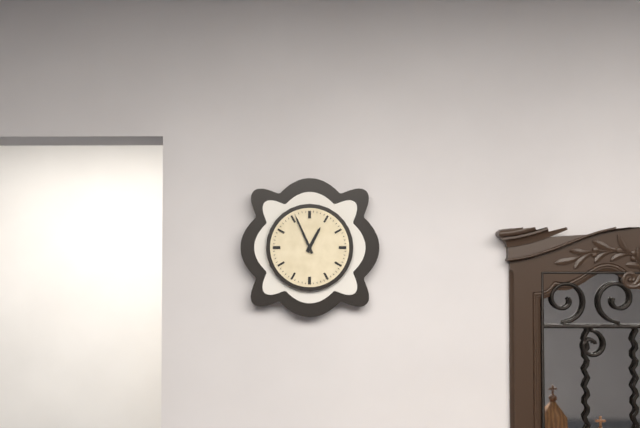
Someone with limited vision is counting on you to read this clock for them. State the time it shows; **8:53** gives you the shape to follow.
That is **12:56**
